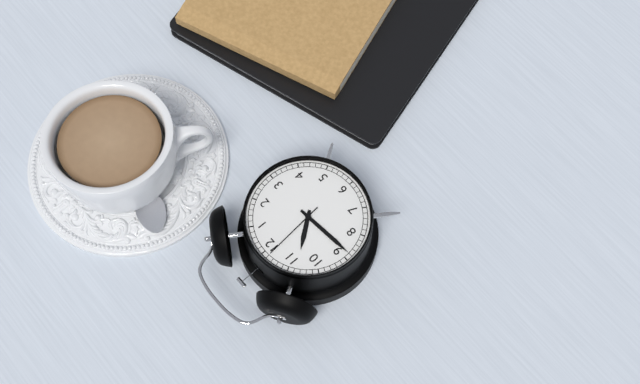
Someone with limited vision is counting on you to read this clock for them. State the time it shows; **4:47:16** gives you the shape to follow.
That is **10:44:59**
